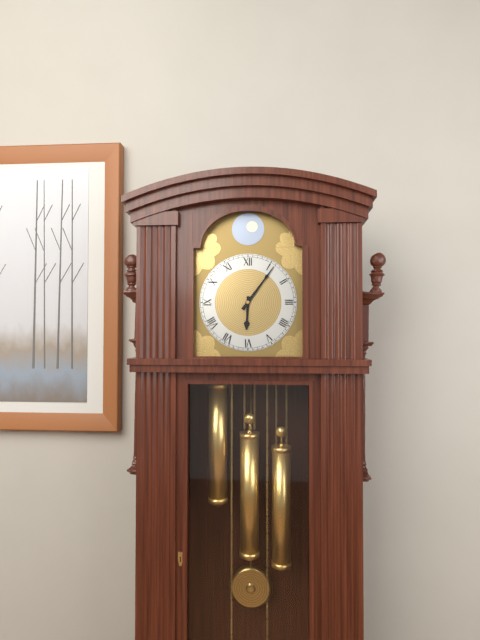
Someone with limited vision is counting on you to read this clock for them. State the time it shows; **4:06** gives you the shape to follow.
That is **6:06**
